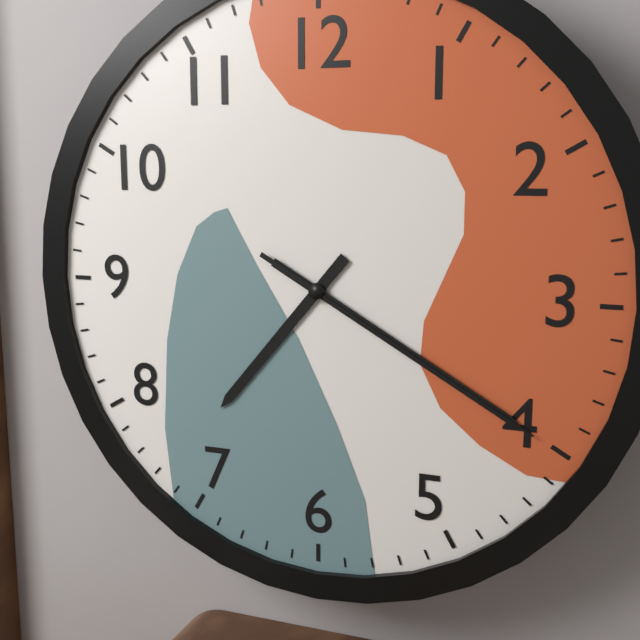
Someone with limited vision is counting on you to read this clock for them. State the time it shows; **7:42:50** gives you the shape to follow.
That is **7:20:20**
